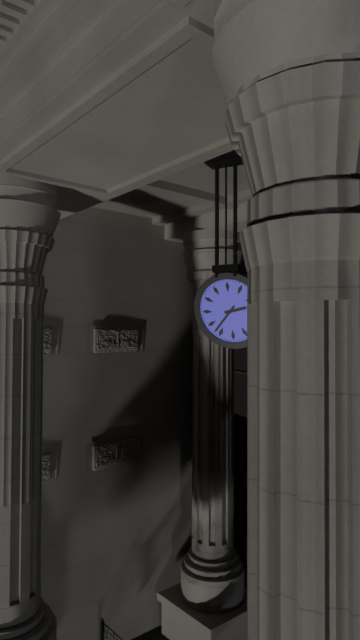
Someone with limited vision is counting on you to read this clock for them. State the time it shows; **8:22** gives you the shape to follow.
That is **2:37**
